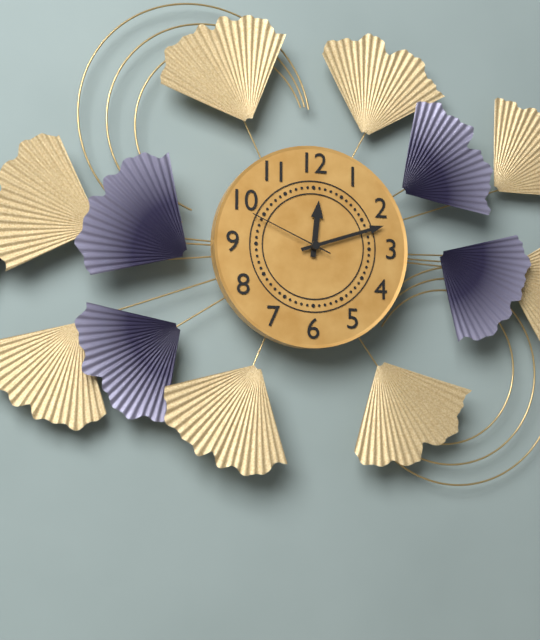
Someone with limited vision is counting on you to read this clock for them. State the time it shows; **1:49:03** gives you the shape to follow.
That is **12:12:49**
